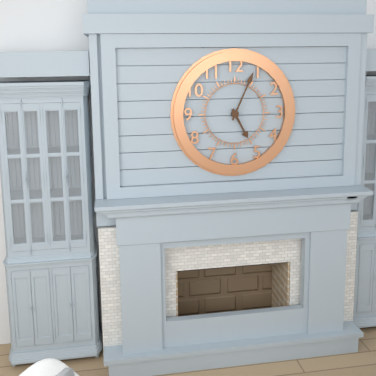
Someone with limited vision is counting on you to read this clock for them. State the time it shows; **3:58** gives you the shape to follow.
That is **5:04**
